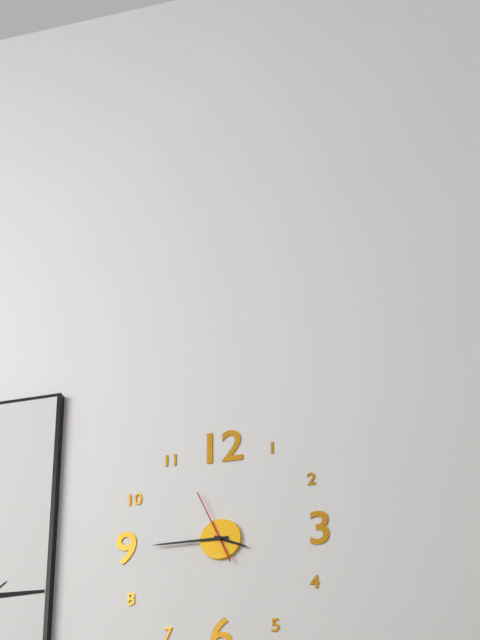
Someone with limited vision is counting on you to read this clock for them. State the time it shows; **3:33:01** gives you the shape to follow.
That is **3:45:56**
